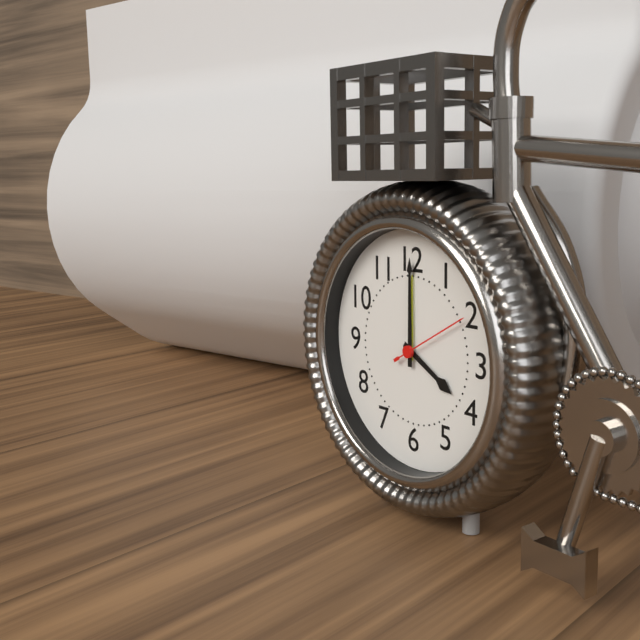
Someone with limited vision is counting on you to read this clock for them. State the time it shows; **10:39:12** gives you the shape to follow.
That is **4:00:10**
